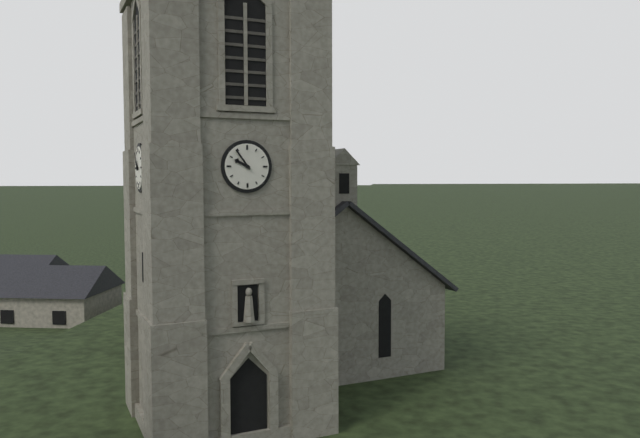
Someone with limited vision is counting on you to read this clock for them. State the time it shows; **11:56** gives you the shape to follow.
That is **9:54**
